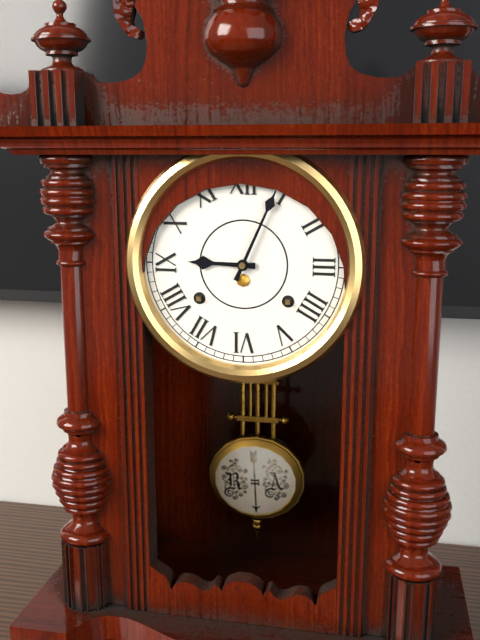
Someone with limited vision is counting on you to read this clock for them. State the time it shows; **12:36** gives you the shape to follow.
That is **9:04**
